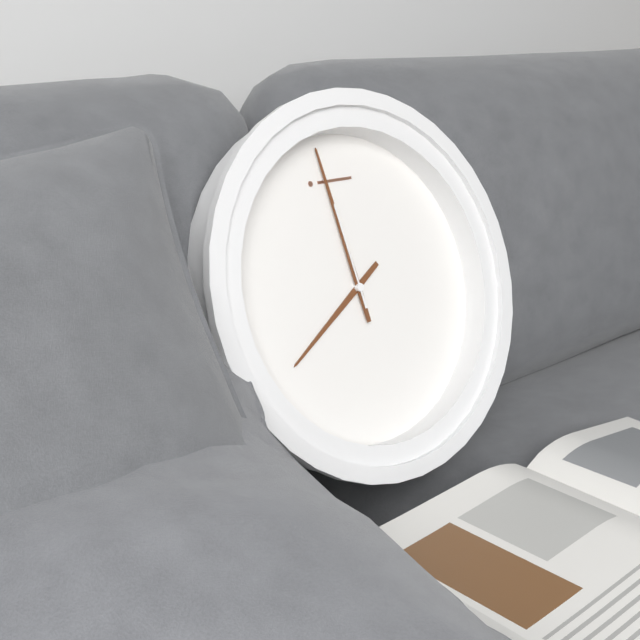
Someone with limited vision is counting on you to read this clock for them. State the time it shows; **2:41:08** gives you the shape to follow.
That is **7:59:59**
